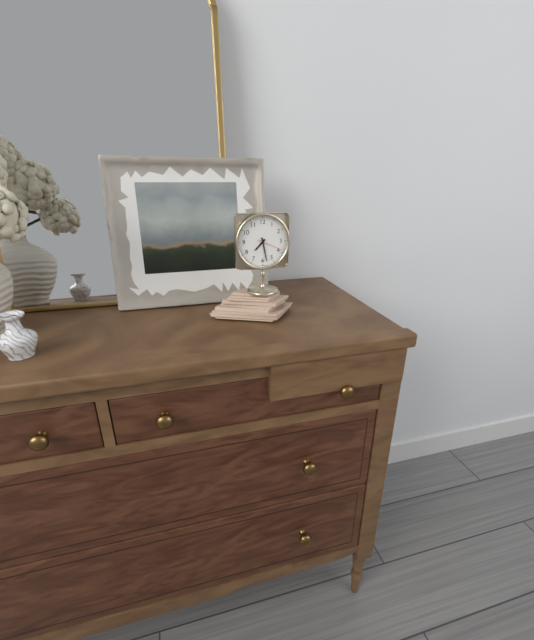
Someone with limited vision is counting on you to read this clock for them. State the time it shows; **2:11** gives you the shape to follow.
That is **7:28**
